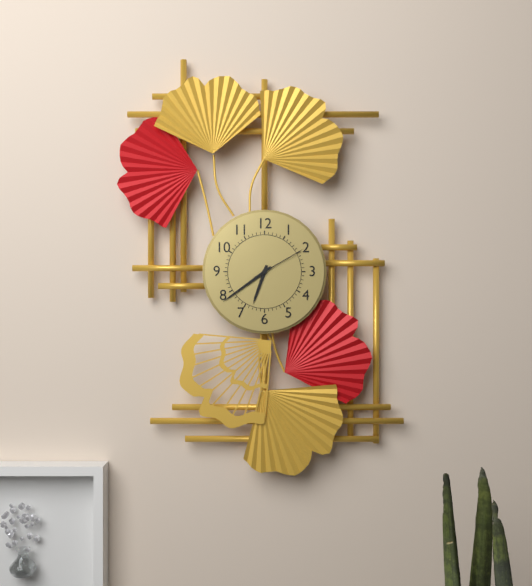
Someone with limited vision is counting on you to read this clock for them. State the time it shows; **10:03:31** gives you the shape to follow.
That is **6:39:10**
